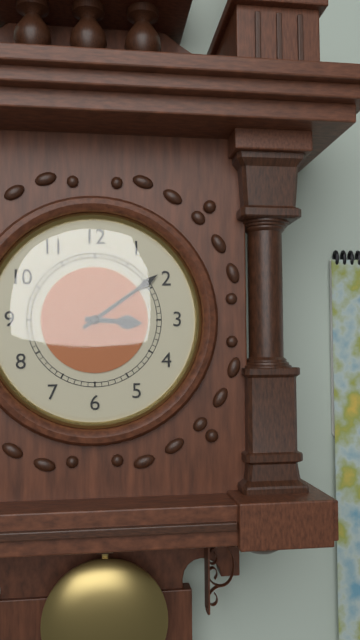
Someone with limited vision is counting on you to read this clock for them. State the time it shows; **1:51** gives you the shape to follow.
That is **3:09**
